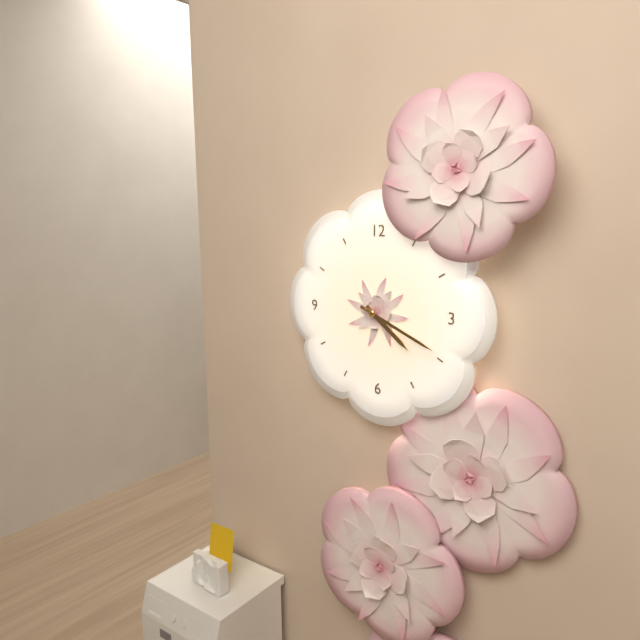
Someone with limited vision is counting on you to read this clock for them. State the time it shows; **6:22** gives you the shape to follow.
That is **4:19**
